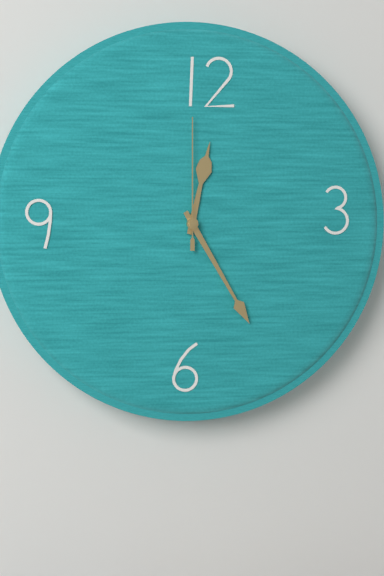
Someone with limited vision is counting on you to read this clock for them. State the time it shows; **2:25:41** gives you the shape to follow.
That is **12:25:00**
